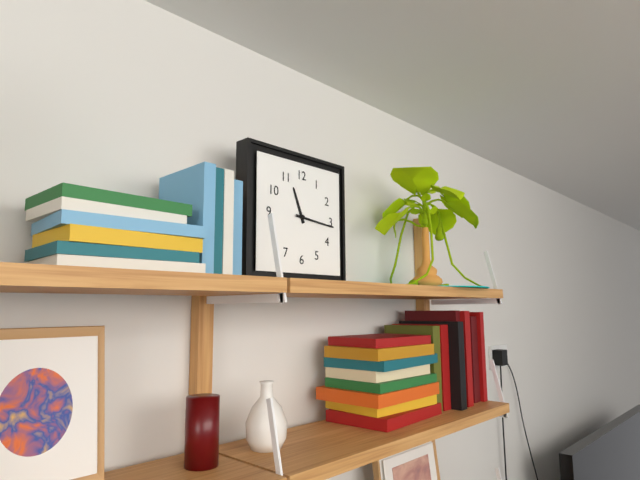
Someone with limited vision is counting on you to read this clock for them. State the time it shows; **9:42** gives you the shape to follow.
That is **11:16**
